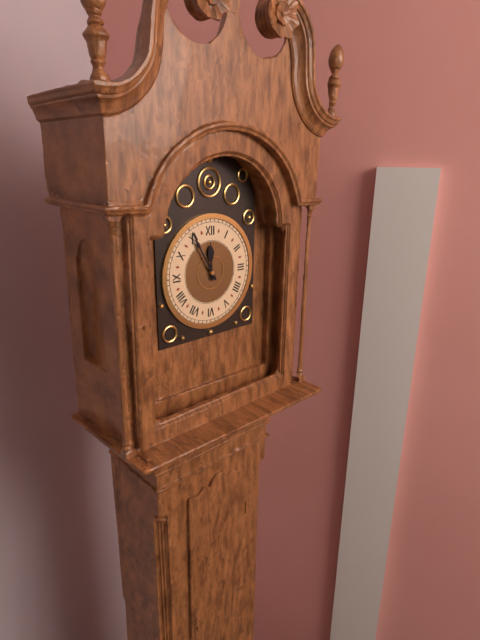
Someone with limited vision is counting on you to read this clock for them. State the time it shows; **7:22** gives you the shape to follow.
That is **11:55**
